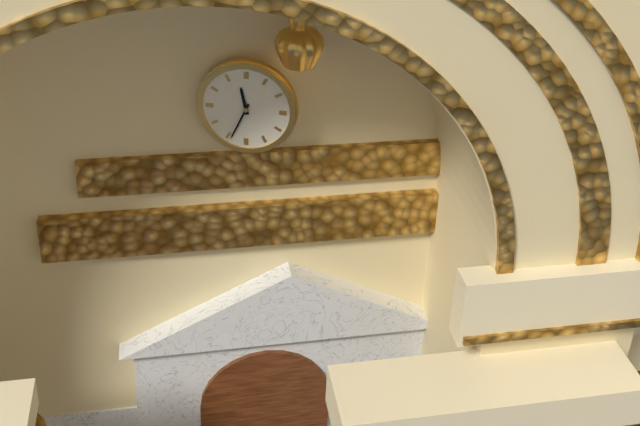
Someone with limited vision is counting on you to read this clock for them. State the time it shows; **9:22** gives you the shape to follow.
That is **11:34**
